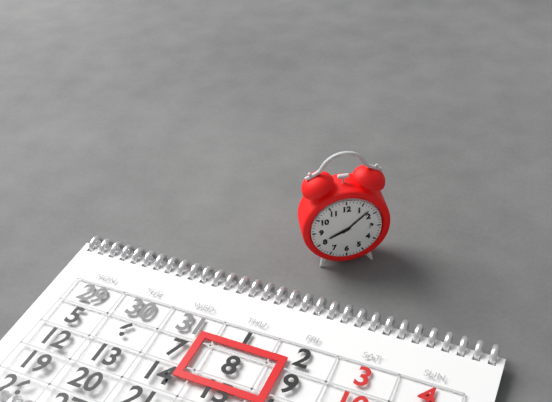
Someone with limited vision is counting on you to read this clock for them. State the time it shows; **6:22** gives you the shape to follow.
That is **8:08**
